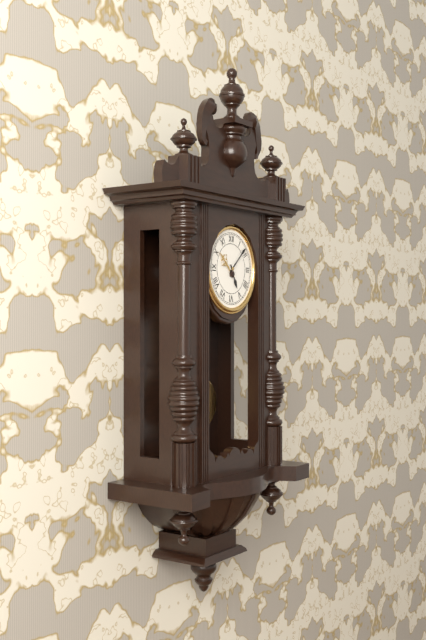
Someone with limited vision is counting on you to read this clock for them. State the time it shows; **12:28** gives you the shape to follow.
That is **5:08**
